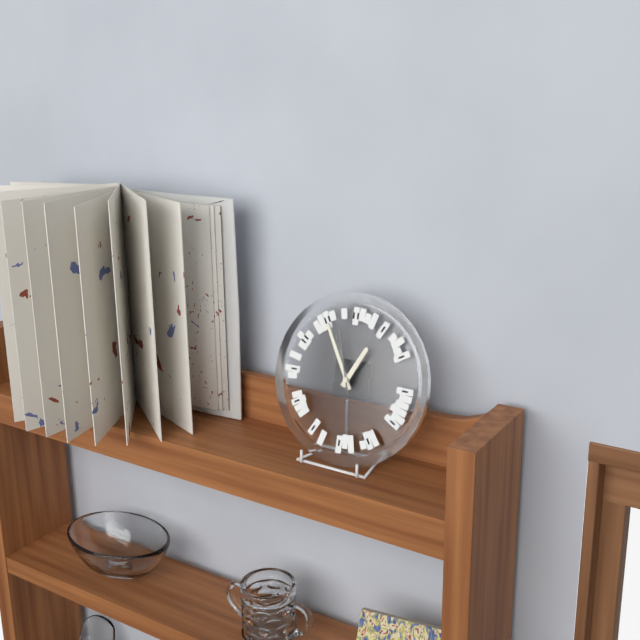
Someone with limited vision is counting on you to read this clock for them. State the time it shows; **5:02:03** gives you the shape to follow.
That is **12:55:57**
